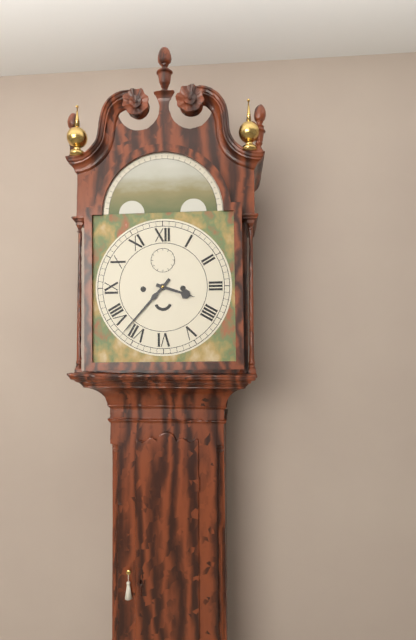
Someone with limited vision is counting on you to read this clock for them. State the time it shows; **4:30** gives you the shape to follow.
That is **3:37**
